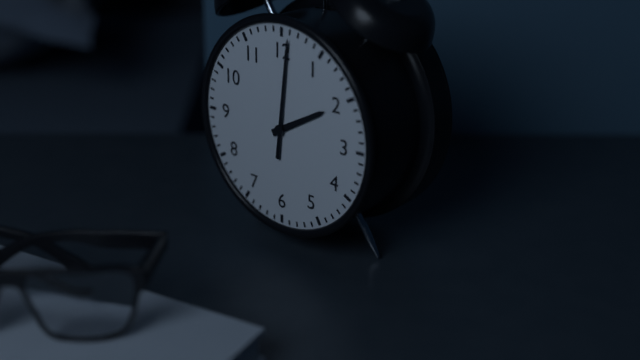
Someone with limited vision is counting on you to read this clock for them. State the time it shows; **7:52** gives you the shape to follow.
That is **2:01**
